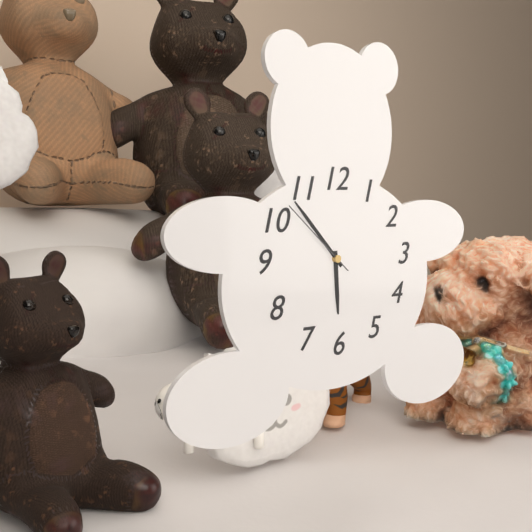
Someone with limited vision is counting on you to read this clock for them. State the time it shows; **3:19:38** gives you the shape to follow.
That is **5:53:52**
